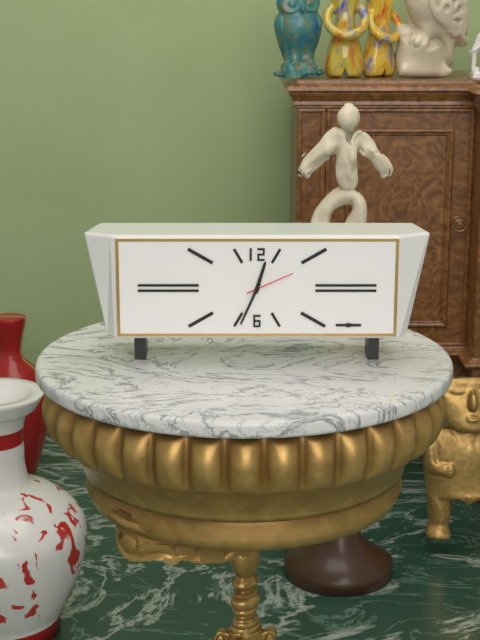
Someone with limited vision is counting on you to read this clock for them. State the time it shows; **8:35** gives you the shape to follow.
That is **12:34**
